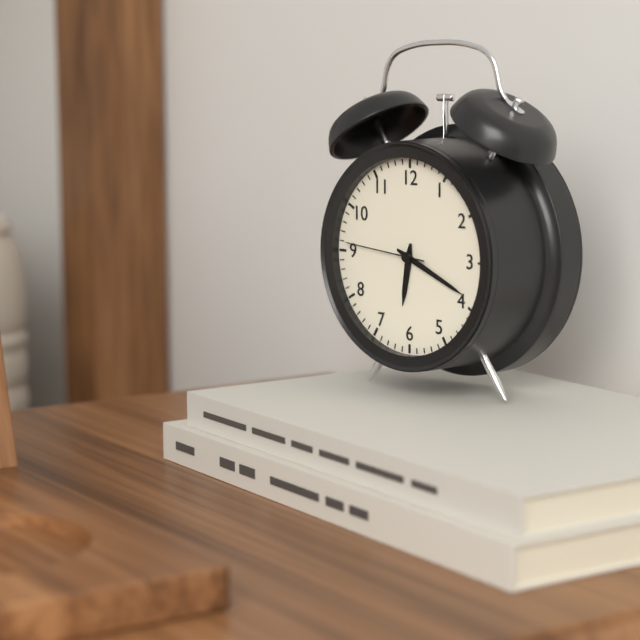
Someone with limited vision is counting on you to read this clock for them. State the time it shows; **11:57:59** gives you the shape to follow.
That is **6:19:46**
